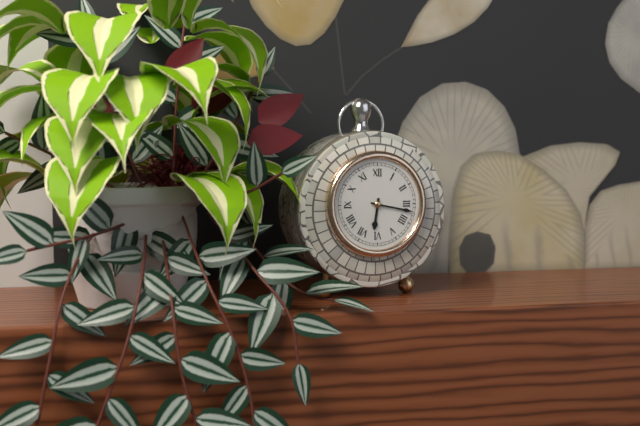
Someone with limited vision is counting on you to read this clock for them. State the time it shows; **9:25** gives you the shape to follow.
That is **6:17**
